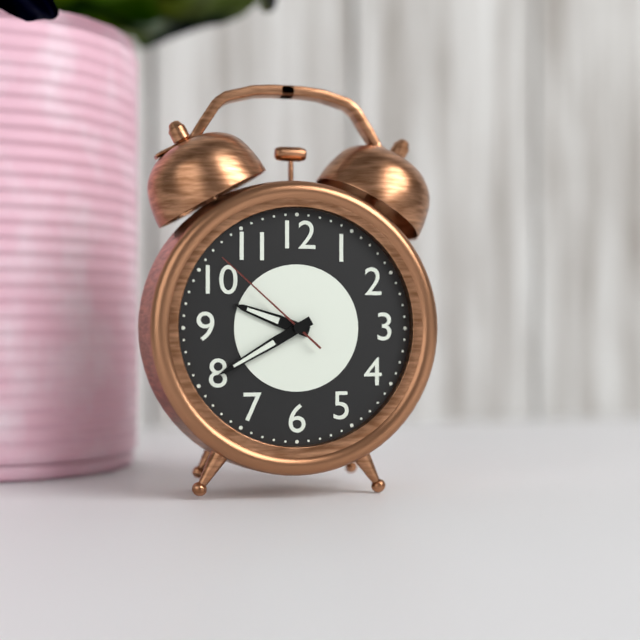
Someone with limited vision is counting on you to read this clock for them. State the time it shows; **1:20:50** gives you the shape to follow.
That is **9:40:52**
